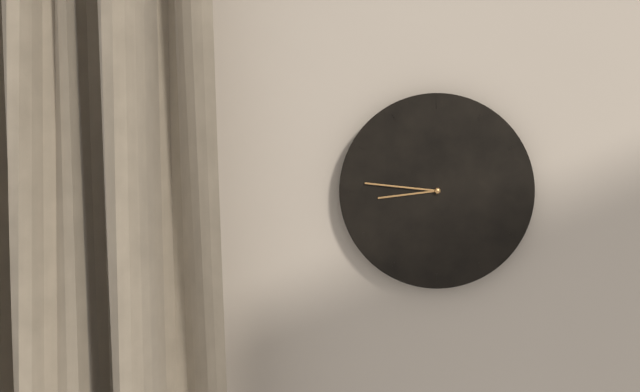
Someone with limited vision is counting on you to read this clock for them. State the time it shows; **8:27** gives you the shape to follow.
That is **8:46**
